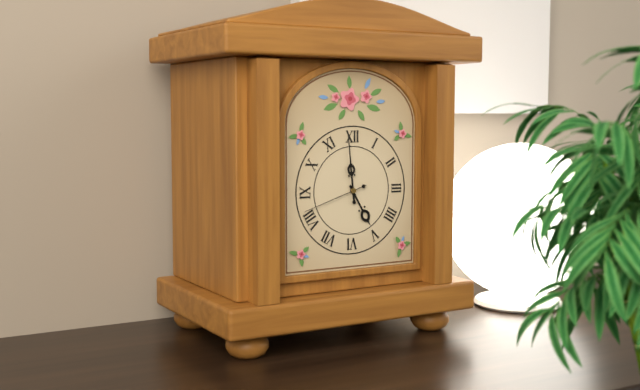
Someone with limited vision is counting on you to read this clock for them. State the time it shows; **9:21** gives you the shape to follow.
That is **4:59**
